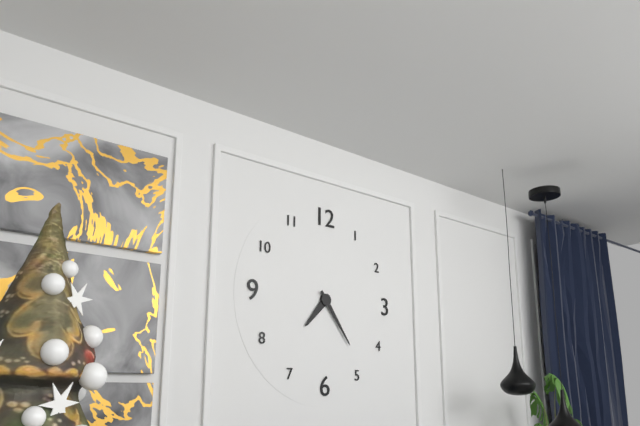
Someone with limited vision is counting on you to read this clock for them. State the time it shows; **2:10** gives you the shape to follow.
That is **7:24**
